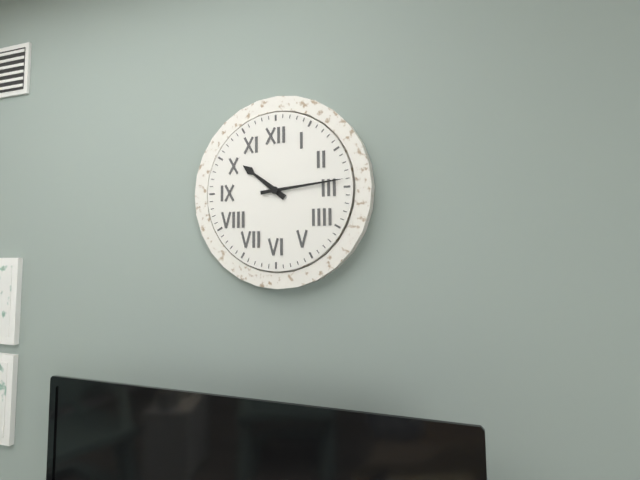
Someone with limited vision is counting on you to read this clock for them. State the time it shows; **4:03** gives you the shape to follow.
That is **10:14**
